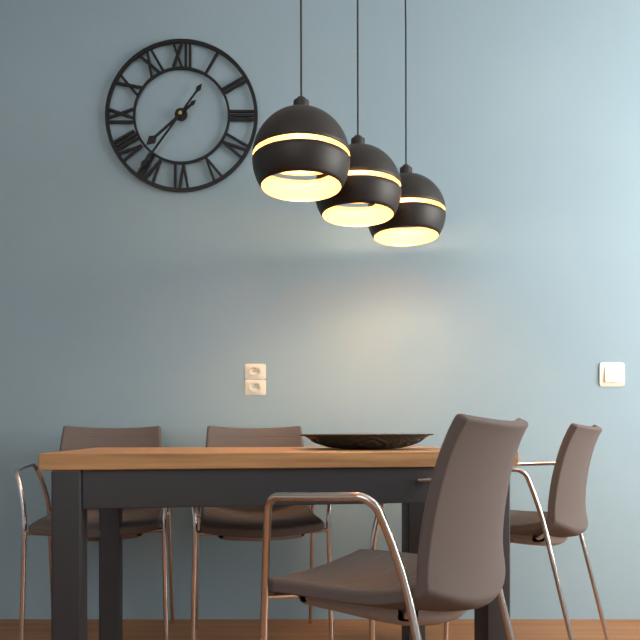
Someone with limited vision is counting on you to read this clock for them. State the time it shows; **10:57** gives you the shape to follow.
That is **7:36**
